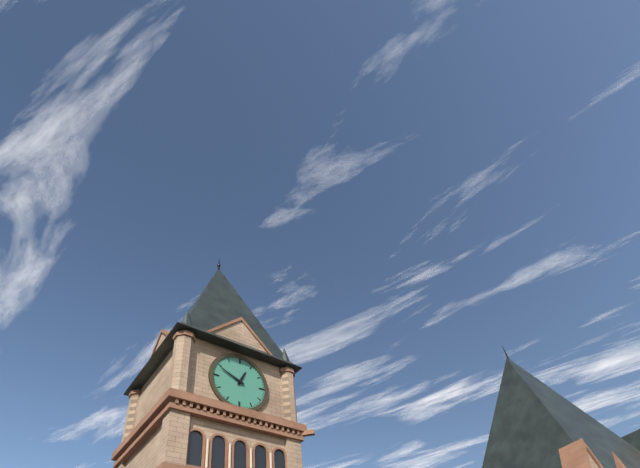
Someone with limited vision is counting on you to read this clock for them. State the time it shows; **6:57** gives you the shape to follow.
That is **12:49**
